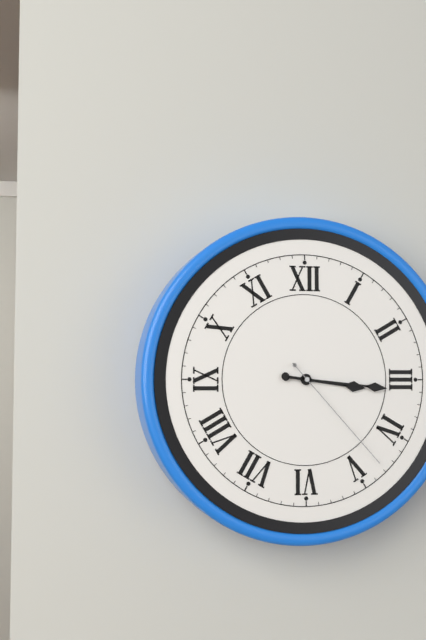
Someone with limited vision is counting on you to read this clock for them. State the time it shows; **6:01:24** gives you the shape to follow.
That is **3:16:23**
